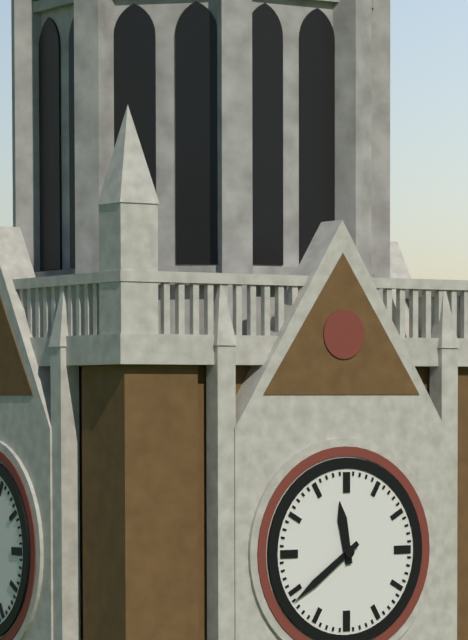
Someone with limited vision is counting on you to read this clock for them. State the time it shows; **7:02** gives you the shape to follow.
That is **11:39**
